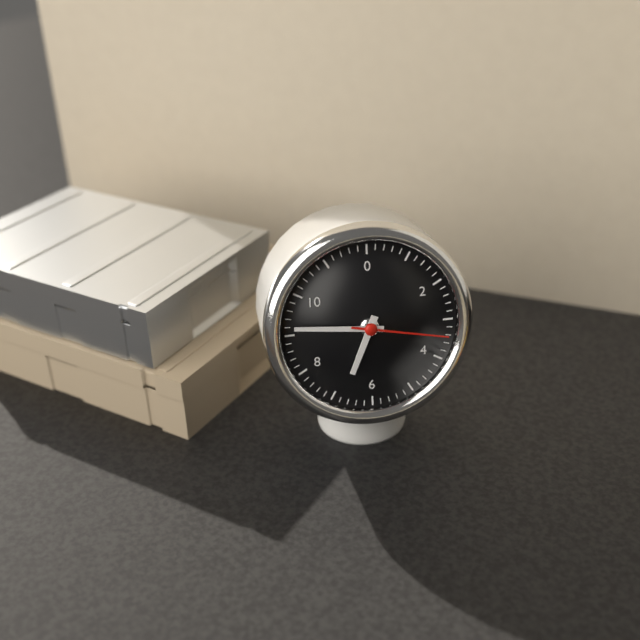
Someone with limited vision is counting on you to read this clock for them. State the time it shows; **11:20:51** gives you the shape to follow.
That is **6:46:17**
